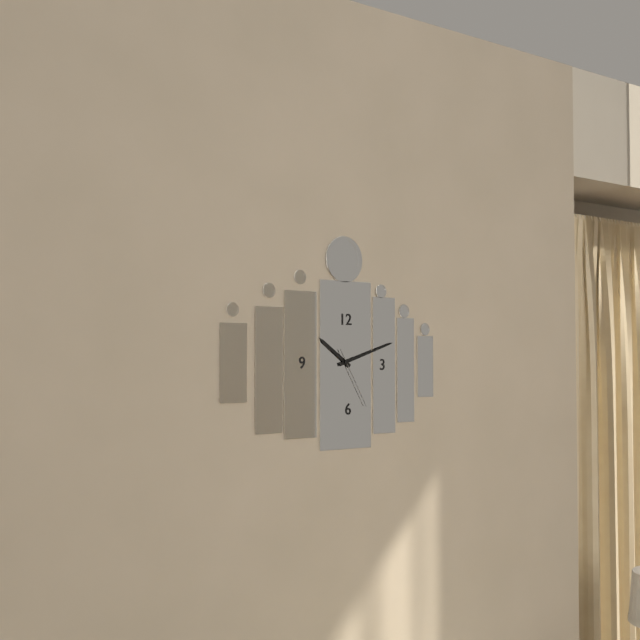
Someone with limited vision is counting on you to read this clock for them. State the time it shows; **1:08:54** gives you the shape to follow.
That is **10:12:25**
